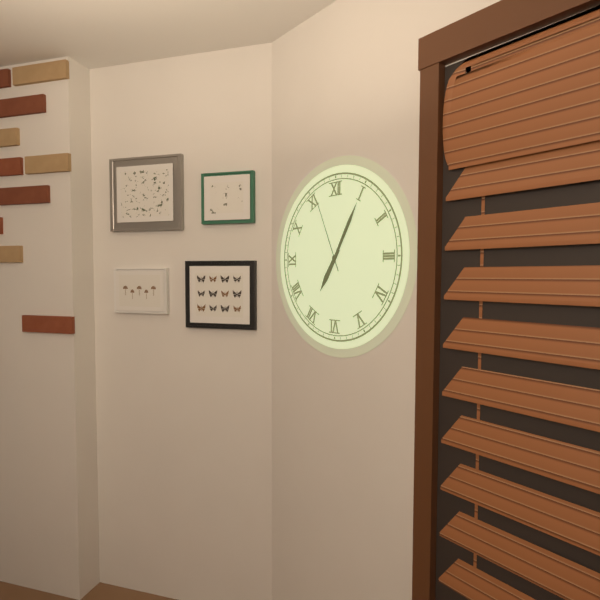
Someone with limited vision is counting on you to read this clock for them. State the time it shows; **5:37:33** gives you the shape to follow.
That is **7:05:56**
